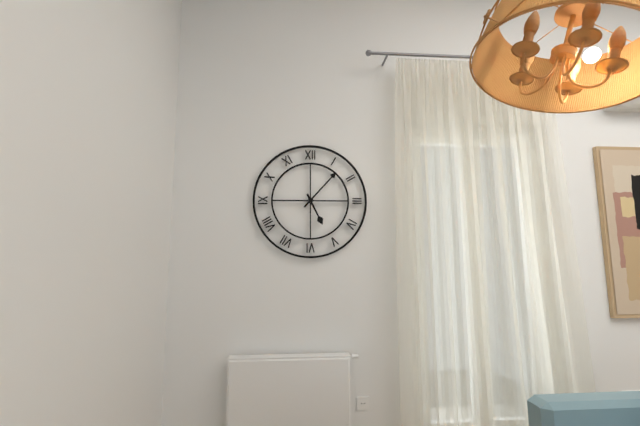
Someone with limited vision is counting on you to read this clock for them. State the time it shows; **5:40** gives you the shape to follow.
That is **5:07**
